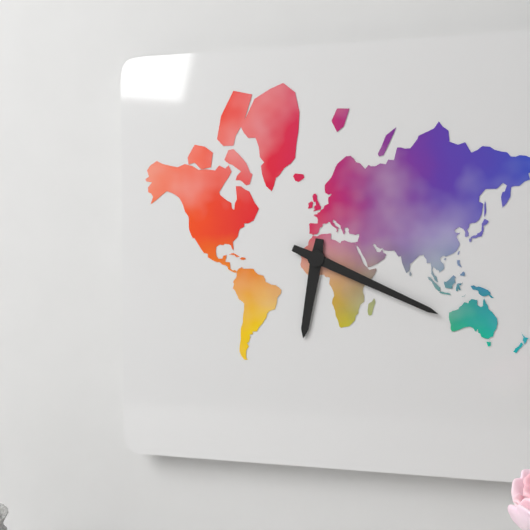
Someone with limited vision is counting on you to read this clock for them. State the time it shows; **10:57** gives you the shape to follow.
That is **6:19**
